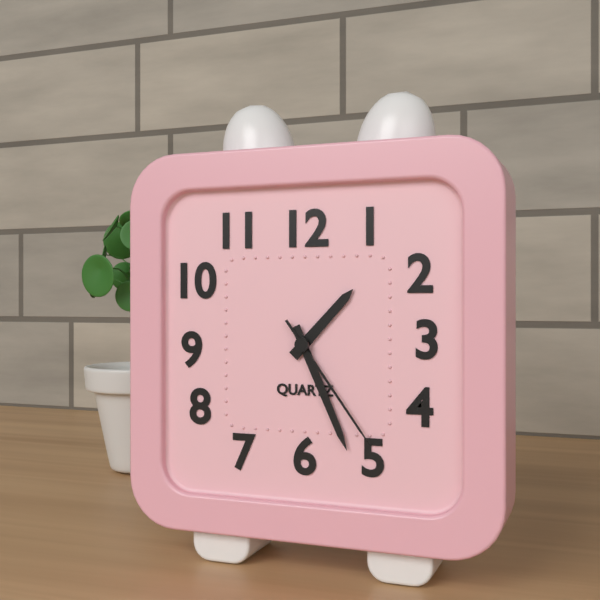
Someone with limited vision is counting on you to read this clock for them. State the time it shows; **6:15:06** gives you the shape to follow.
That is **1:26:24**
